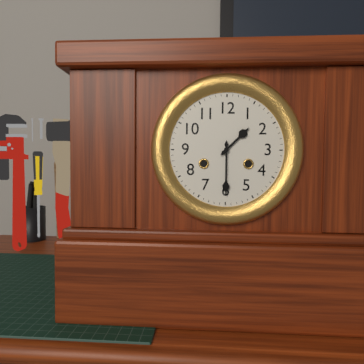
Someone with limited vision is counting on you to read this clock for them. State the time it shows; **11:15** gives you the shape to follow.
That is **1:30**
